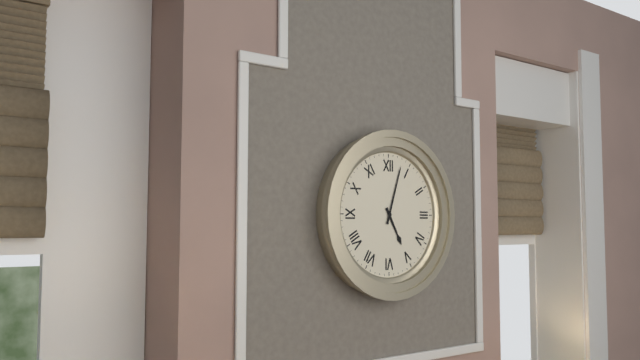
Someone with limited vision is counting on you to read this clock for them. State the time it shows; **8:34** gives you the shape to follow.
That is **5:03**
